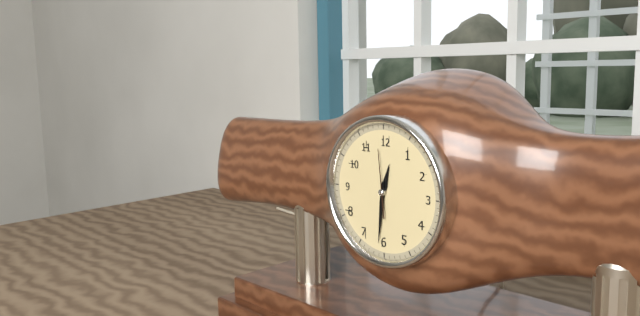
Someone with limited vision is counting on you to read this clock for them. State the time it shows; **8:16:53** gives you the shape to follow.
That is **12:31:59**
